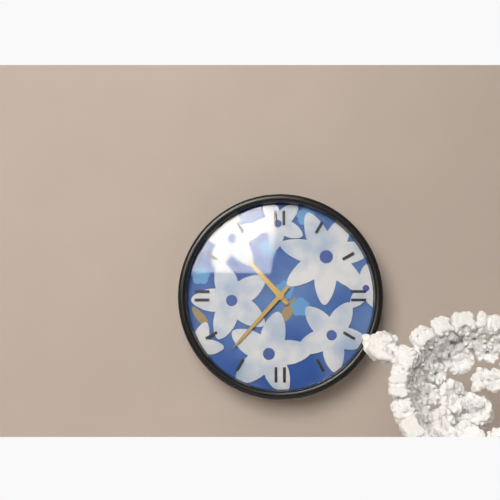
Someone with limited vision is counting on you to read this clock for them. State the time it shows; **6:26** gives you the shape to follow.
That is **10:37**
